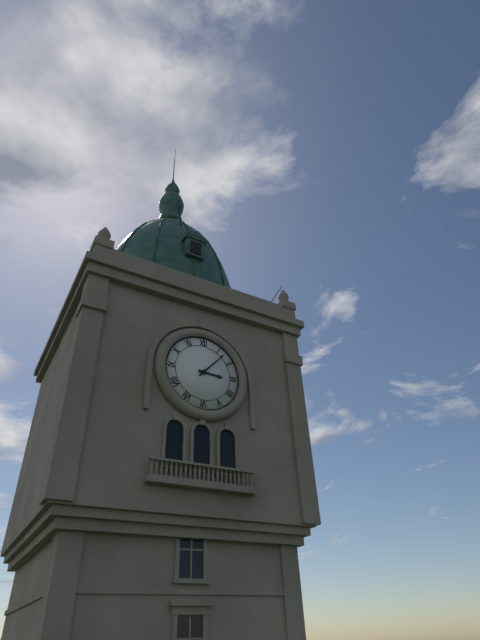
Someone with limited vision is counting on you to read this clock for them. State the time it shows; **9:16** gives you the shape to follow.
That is **3:07**
